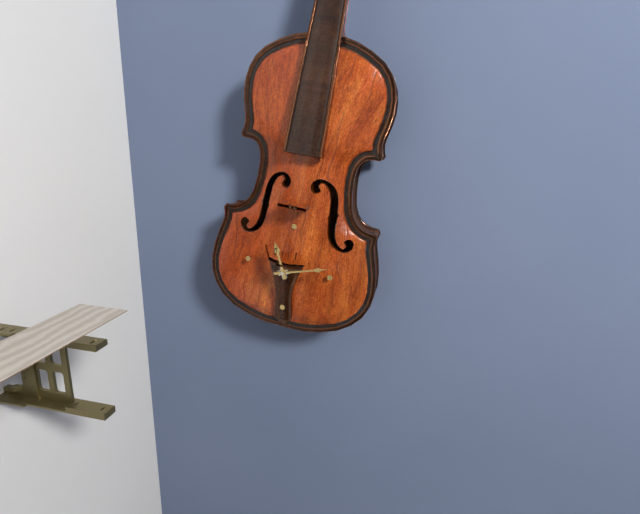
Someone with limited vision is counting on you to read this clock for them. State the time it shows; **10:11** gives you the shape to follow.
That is **11:12**
